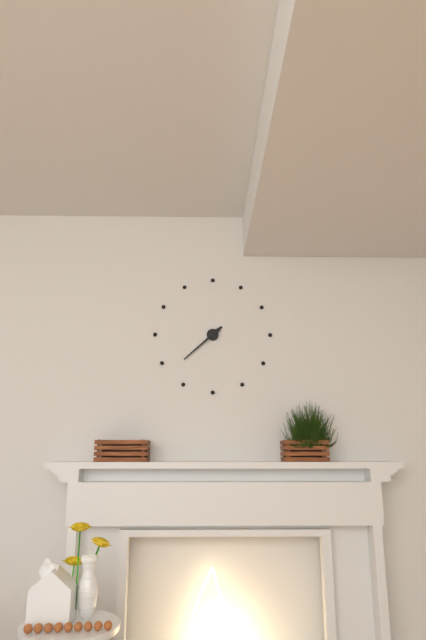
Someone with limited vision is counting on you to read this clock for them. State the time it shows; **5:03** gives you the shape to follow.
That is **1:38**
